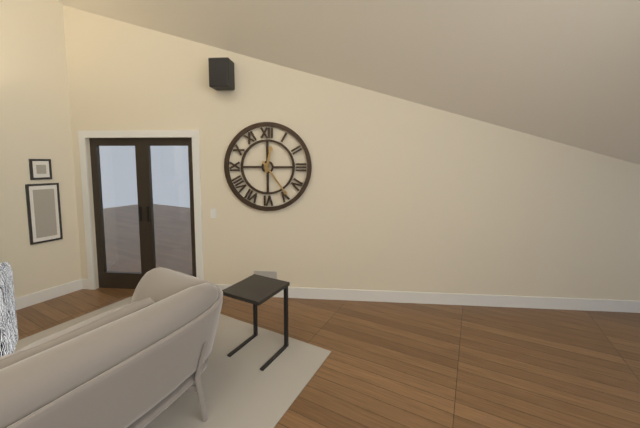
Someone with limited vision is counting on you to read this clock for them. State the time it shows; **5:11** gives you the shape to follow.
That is **12:24**
